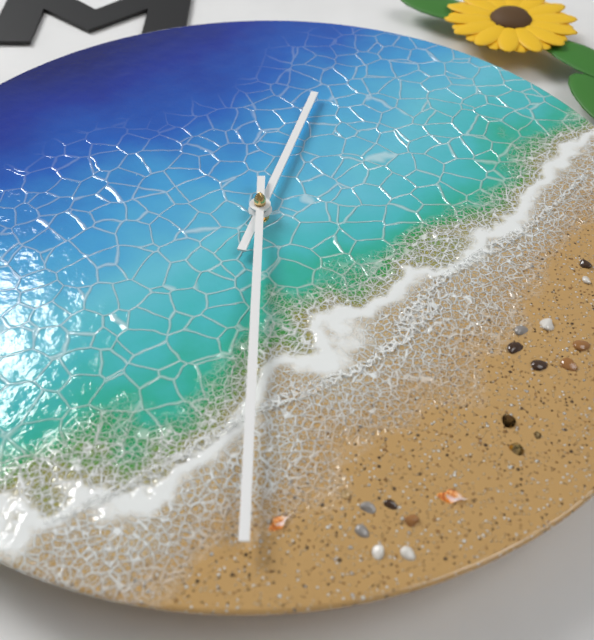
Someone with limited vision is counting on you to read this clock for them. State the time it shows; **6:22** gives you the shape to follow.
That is **12:30**
